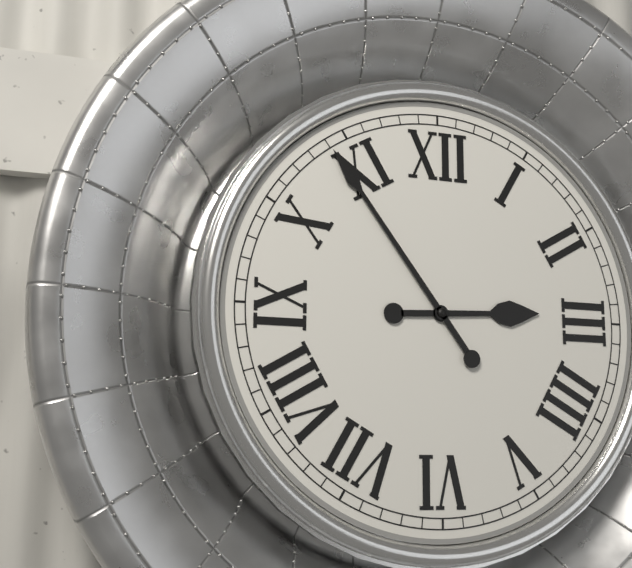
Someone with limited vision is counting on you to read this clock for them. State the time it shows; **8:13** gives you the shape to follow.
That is **2:54**
